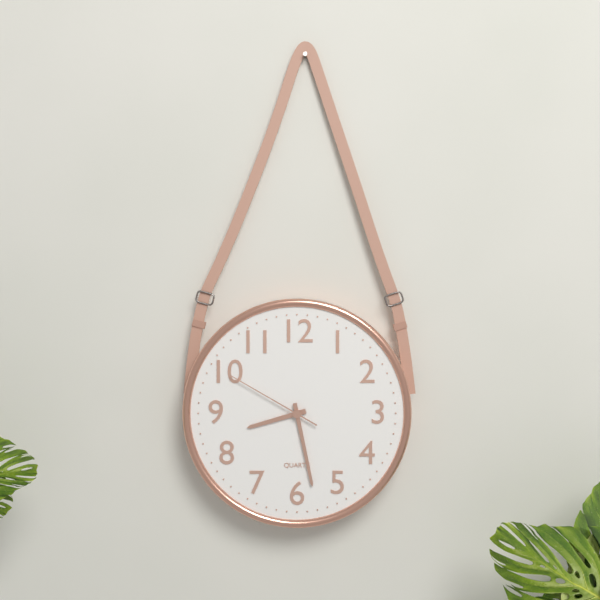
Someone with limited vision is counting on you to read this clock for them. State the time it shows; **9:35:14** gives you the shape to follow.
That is **8:28:50**
